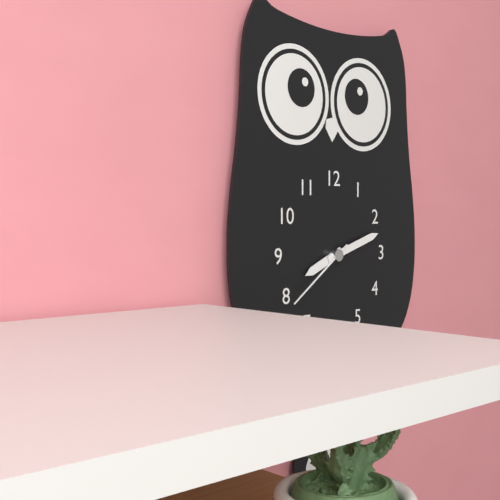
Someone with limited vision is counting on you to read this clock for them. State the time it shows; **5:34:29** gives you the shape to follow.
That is **8:12:39**
